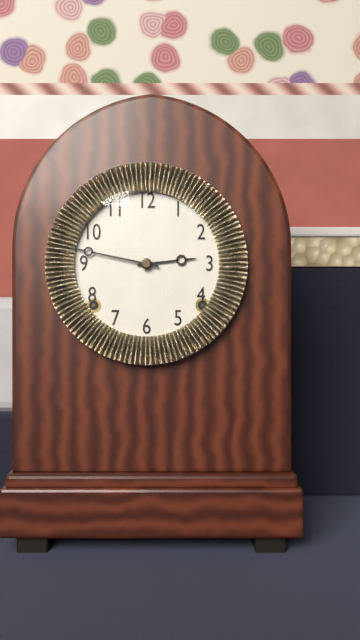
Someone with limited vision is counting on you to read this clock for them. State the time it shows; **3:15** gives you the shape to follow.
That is **2:47**
